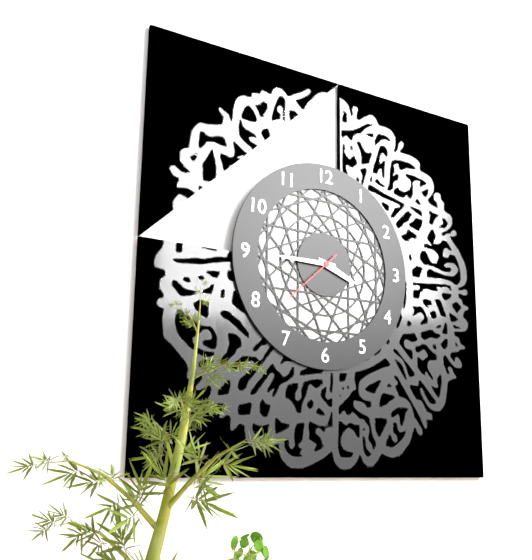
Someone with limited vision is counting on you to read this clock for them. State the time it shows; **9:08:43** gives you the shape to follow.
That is **3:45:38**
